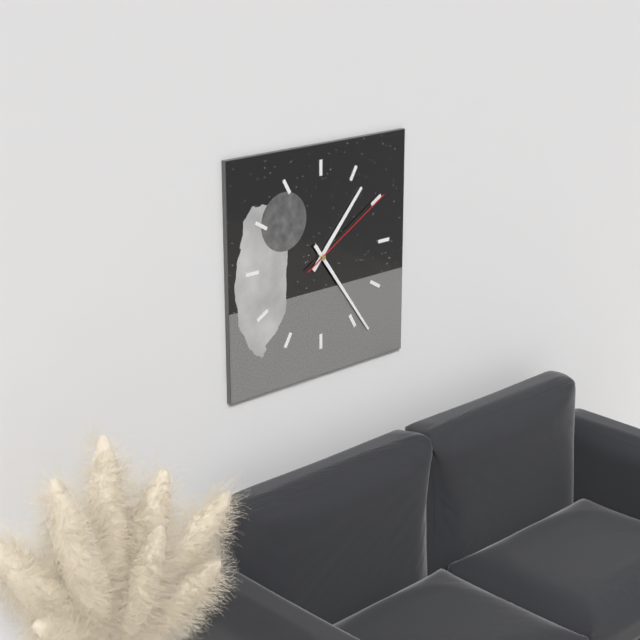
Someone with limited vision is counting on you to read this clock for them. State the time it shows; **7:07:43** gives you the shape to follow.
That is **1:24:10**
